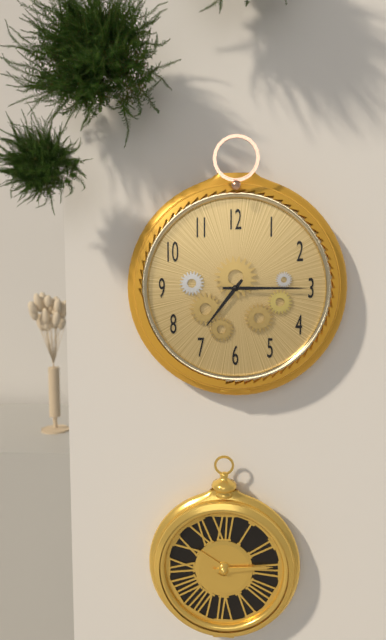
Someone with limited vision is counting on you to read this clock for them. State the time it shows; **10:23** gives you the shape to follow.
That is **7:15**
